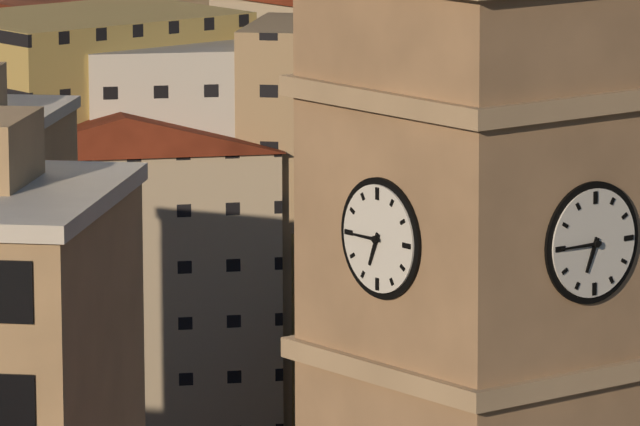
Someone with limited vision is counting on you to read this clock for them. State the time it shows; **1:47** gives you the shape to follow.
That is **6:45**
